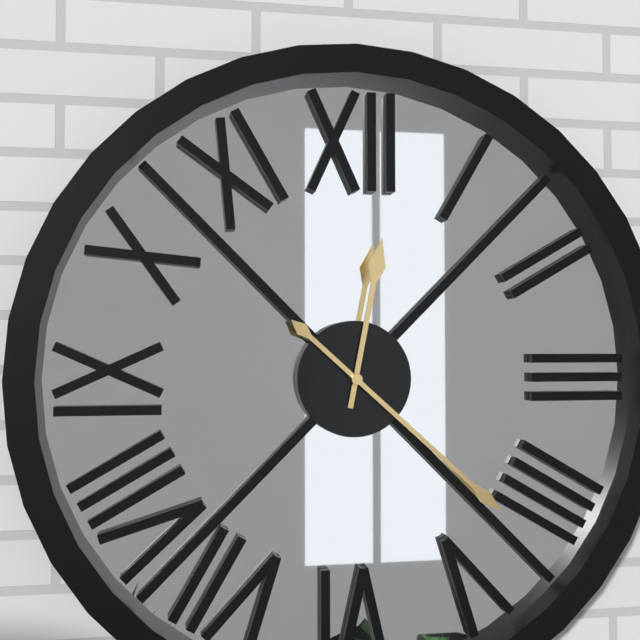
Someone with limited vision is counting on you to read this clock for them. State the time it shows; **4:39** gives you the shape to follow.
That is **12:22**
